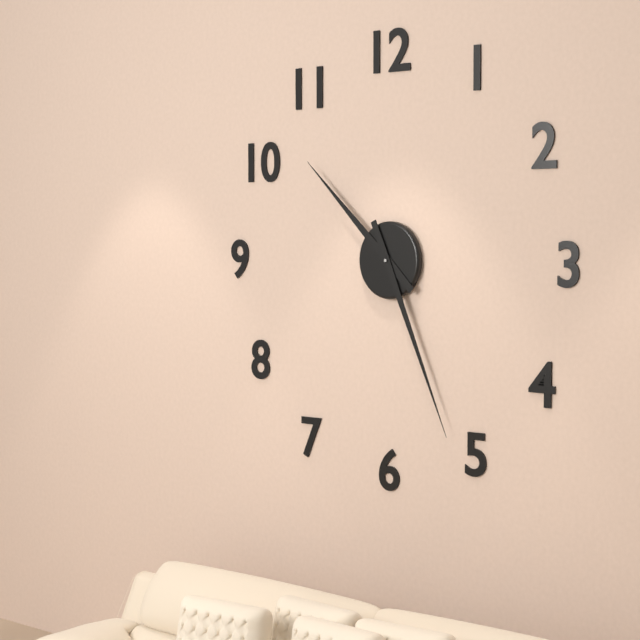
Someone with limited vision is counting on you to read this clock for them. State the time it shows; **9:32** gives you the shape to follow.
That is **10:26**
